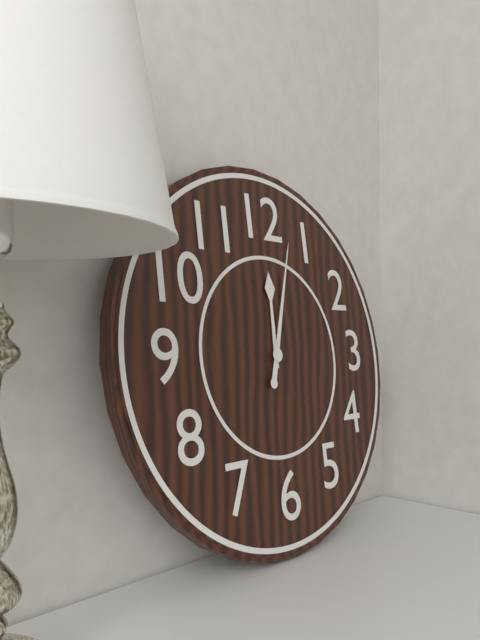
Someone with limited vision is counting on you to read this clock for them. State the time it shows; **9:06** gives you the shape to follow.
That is **12:03**
